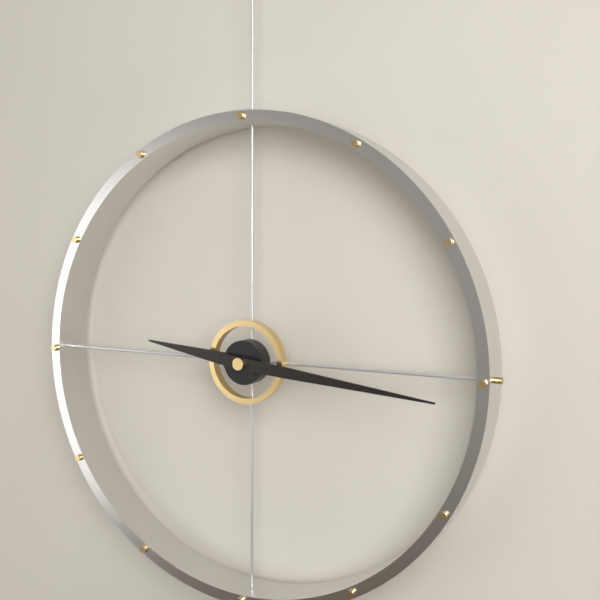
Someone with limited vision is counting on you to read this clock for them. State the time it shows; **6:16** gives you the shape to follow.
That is **9:16**
